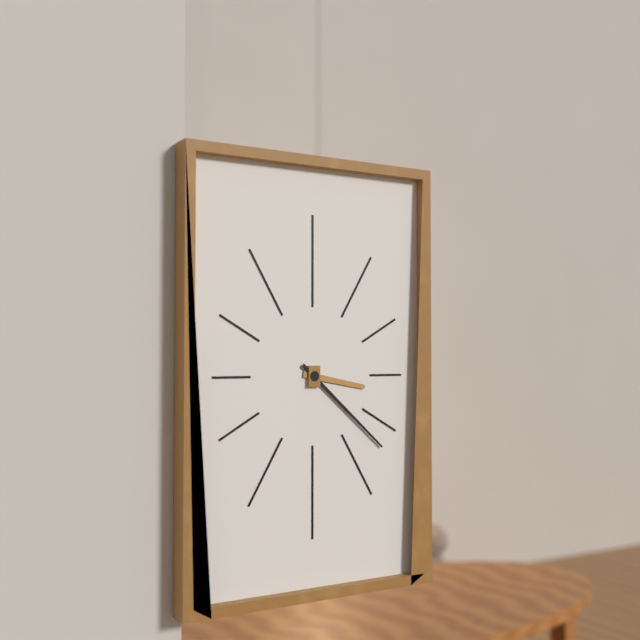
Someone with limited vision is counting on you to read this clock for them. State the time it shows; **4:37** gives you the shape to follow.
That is **3:22**
